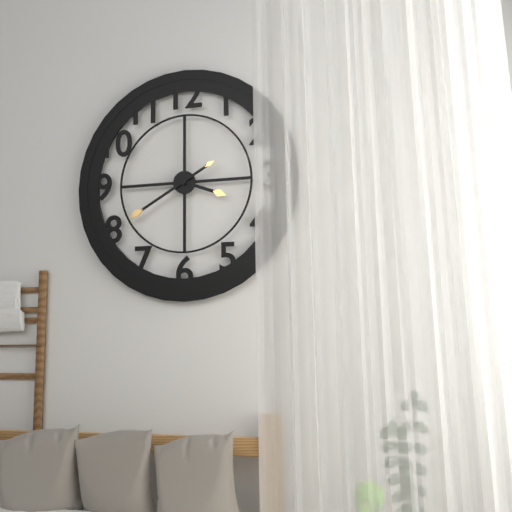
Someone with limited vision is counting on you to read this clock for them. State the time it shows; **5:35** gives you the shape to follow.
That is **3:40**
